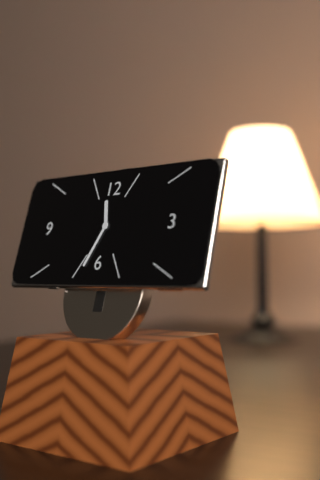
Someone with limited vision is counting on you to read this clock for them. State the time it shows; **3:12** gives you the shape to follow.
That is **11:34**
